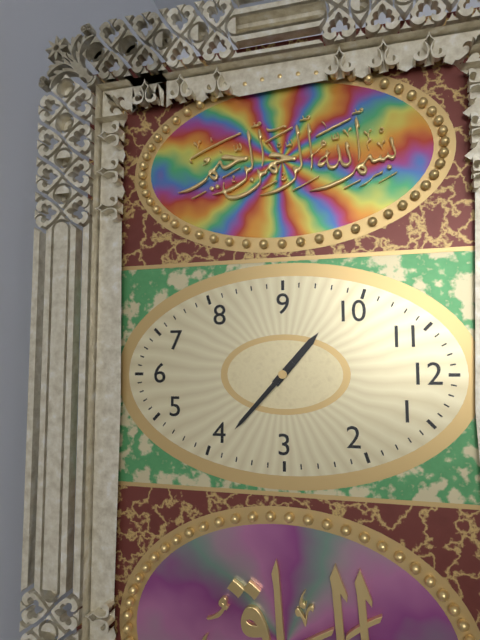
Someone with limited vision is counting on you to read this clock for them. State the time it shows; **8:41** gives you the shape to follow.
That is **10:22**
